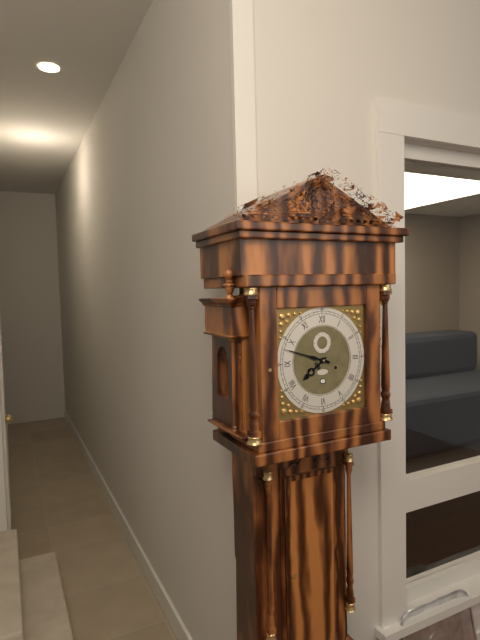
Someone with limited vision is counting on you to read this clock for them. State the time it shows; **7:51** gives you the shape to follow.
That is **7:48**
